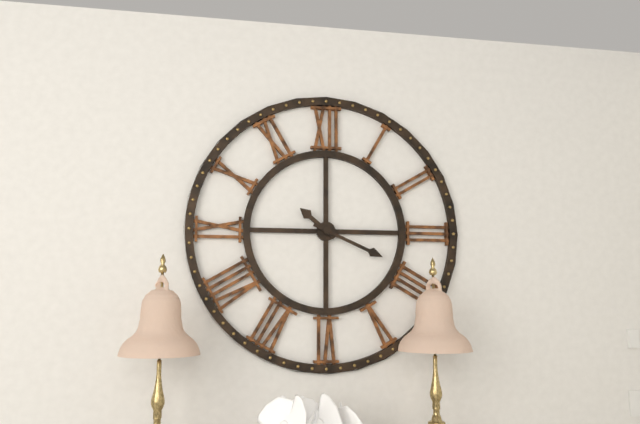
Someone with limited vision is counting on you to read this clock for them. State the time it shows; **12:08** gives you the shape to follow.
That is **10:19**
